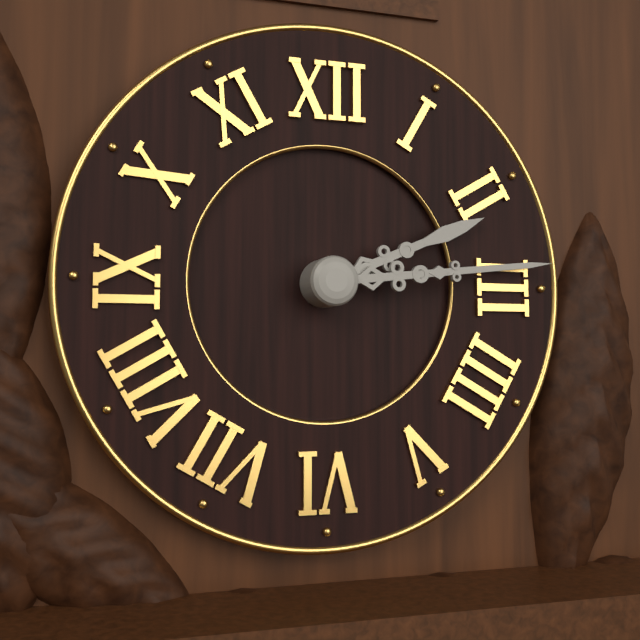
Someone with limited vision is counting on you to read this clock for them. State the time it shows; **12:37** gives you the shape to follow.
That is **2:14**
